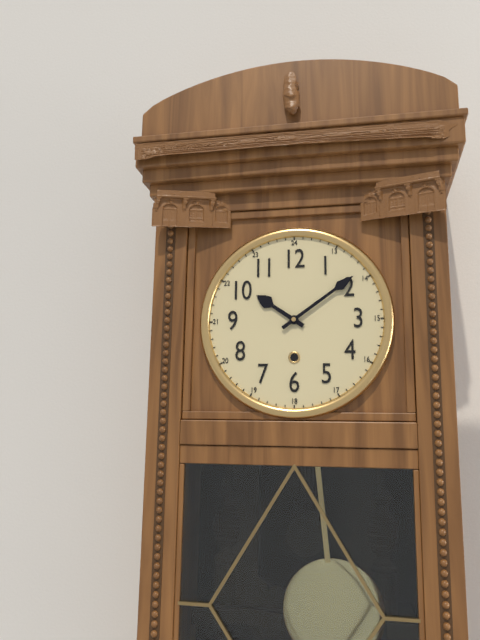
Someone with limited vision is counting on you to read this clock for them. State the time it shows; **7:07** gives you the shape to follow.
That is **10:09**
